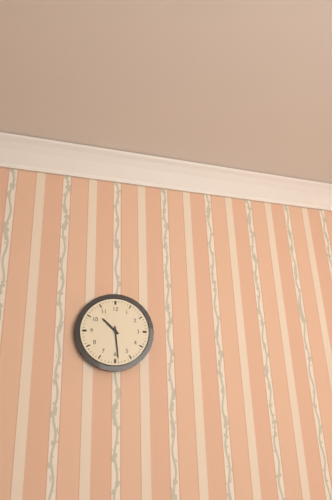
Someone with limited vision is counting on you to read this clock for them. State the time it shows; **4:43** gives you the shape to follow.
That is **10:29**
